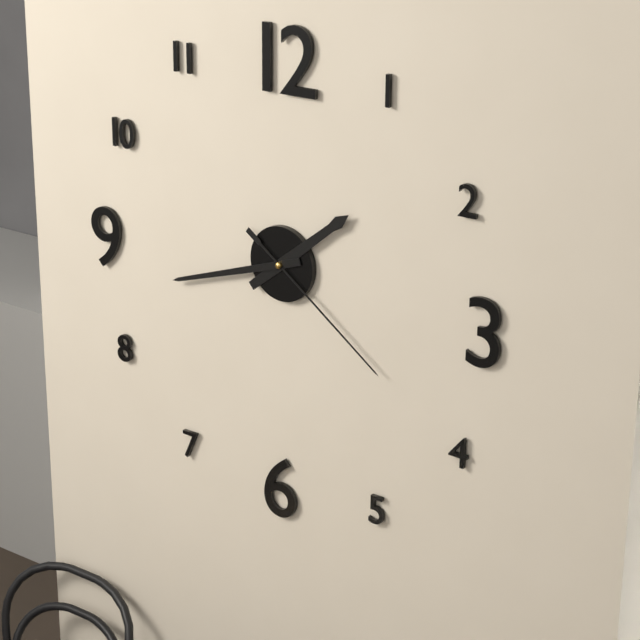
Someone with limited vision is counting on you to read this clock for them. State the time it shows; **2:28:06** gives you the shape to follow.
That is **1:42:21**
